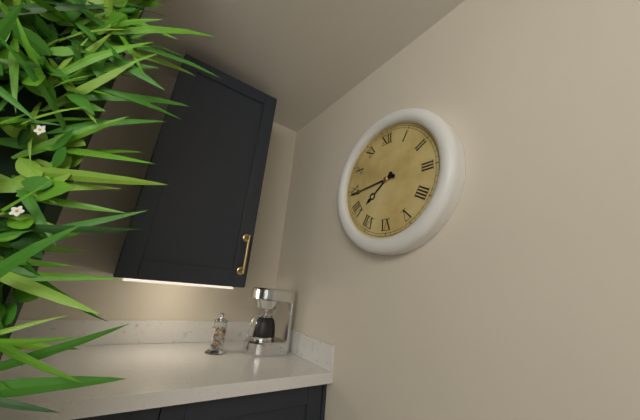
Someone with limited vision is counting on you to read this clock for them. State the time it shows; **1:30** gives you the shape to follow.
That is **7:44**
